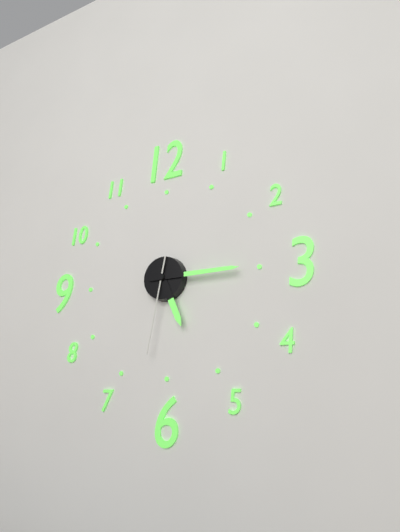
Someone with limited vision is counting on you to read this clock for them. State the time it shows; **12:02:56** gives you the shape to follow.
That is **5:15:32**
